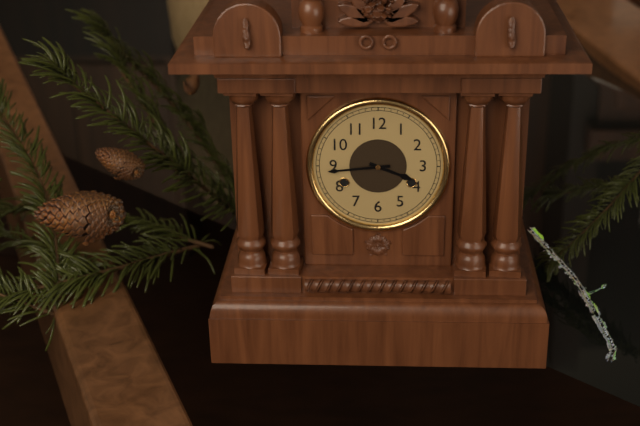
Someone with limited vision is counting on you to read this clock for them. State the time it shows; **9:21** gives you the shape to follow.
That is **3:44**
